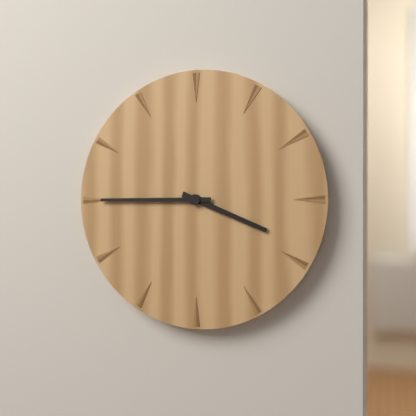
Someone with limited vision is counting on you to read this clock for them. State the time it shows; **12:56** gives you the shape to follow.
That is **3:45**
